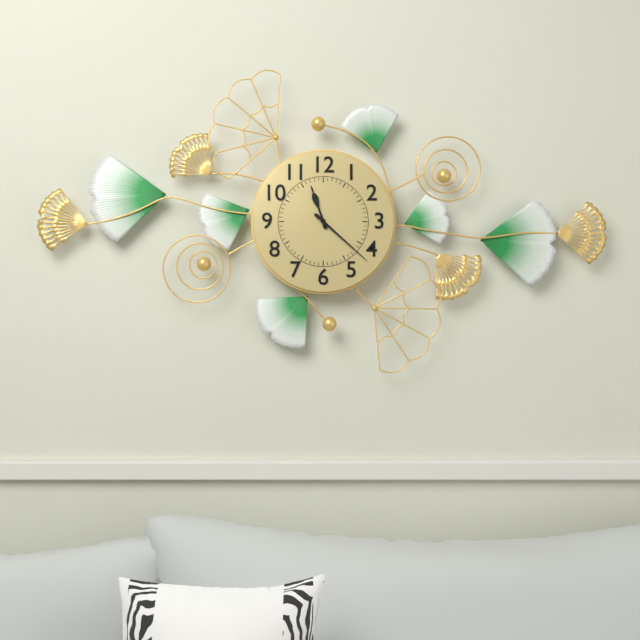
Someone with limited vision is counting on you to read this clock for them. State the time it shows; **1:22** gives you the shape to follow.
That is **11:22**
